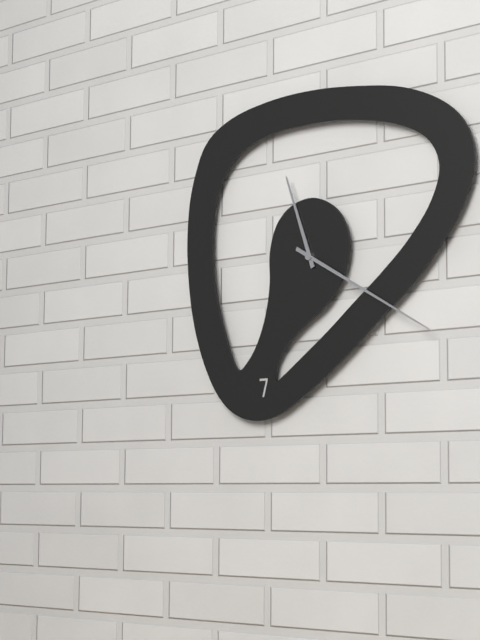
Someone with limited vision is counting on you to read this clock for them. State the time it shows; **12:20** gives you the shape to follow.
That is **11:20**
